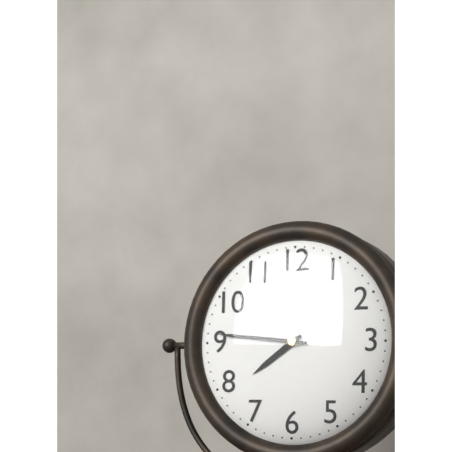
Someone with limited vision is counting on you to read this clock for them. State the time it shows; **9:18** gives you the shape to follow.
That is **7:46**
